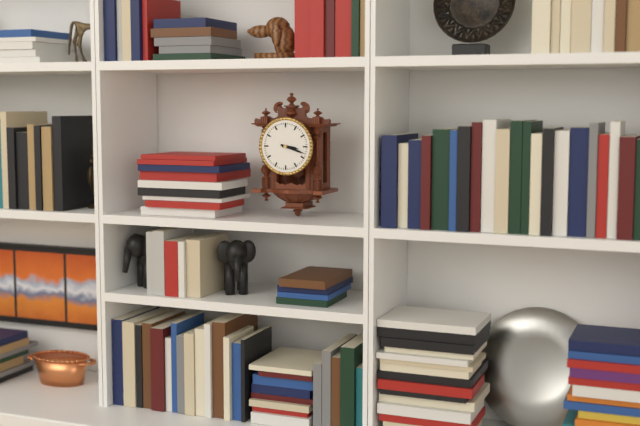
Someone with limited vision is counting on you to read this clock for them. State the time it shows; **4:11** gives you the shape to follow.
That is **3:18**
